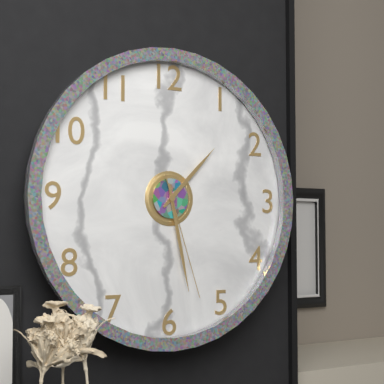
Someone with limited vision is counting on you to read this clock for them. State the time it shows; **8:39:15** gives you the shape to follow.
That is **1:28:27**
